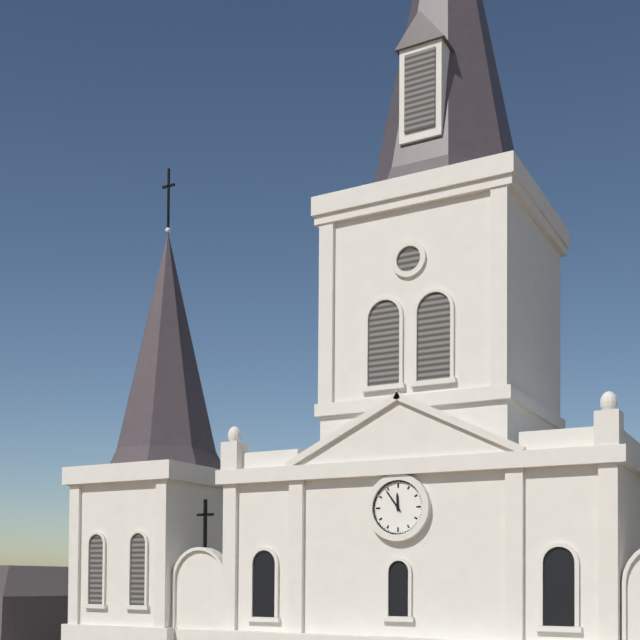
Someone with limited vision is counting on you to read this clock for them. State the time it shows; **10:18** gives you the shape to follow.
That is **11:54**
